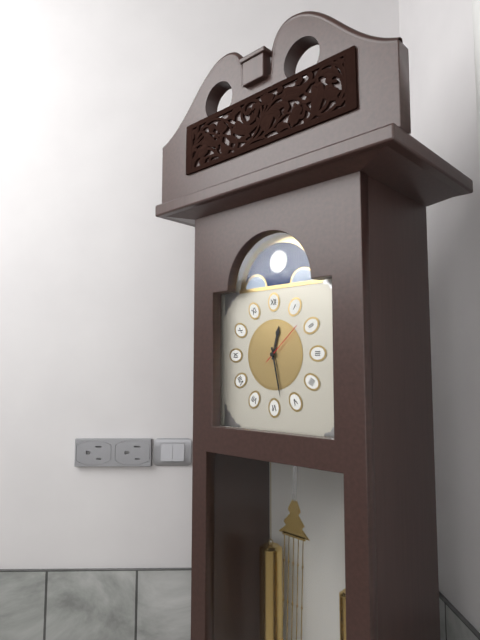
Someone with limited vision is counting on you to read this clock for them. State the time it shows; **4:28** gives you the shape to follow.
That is **12:28**
